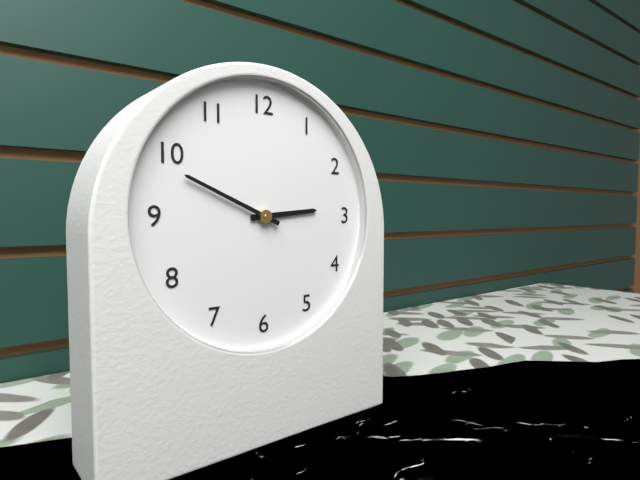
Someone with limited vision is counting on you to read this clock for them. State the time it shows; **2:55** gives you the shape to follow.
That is **2:49**
